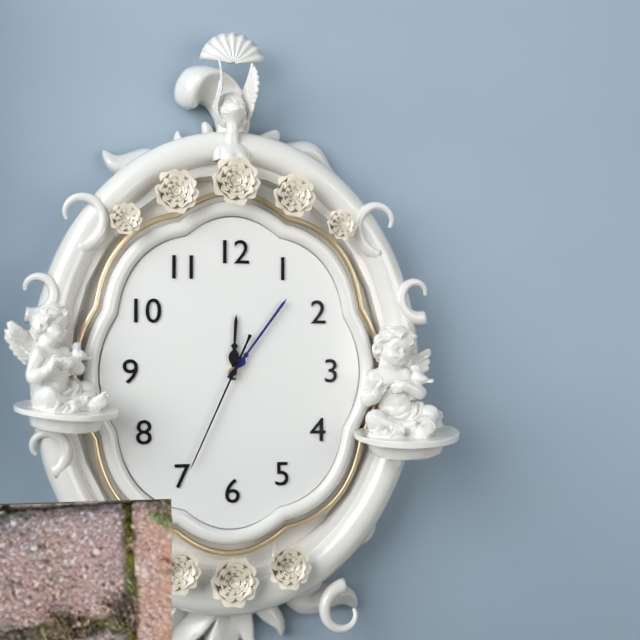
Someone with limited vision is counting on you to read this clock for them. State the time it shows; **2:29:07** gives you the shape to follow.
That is **12:06:34**
